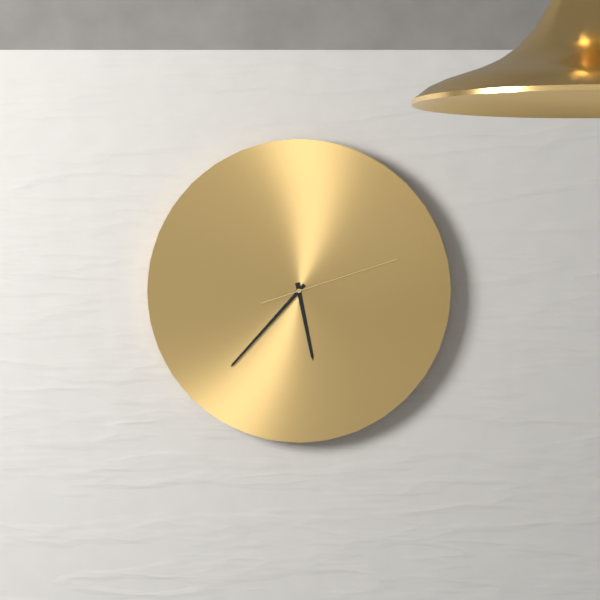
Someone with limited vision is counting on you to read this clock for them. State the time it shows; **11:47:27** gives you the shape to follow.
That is **5:37:12**
